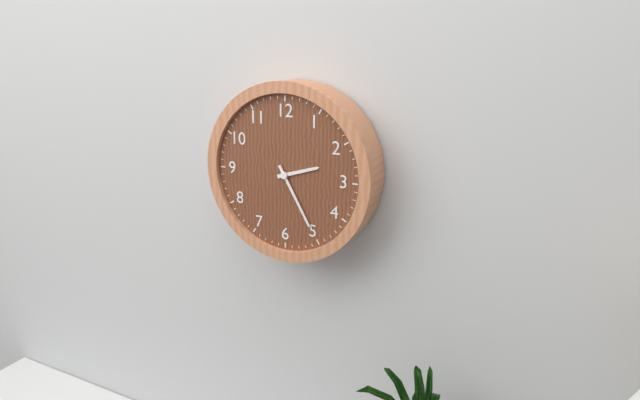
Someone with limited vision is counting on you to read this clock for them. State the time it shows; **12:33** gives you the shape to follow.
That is **2:25**
